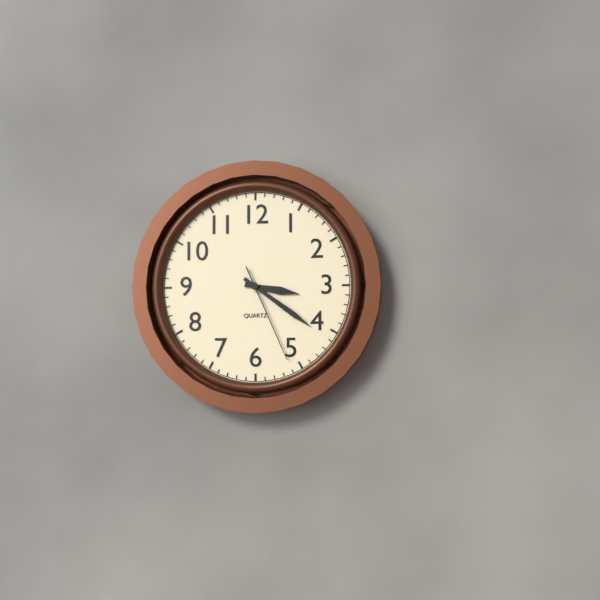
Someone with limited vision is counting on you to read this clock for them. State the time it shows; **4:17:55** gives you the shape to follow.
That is **3:21:26**
